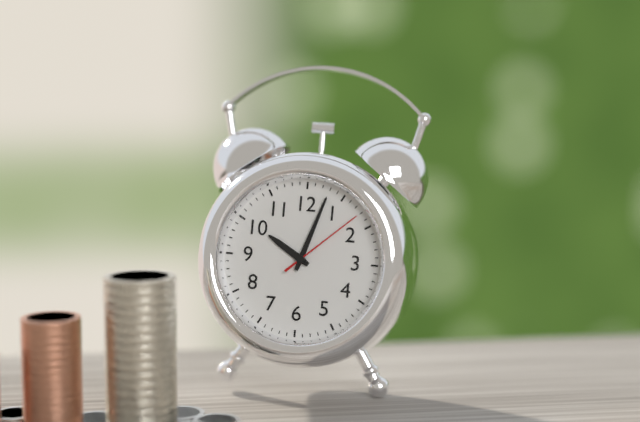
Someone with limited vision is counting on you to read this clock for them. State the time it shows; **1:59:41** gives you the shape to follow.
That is **10:03:08**
